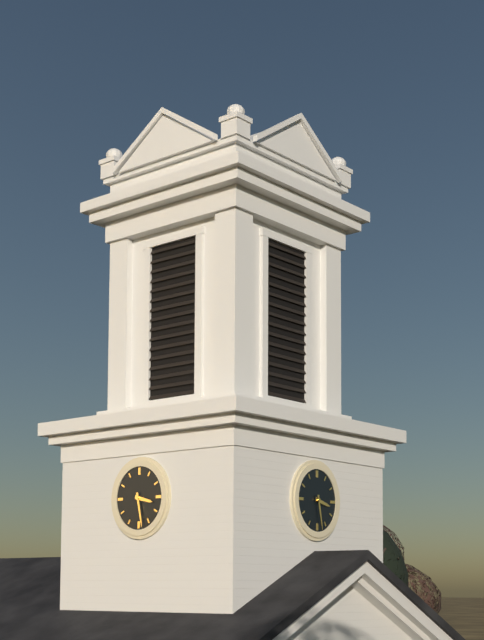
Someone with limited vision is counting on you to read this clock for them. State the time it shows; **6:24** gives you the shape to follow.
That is **3:28**
